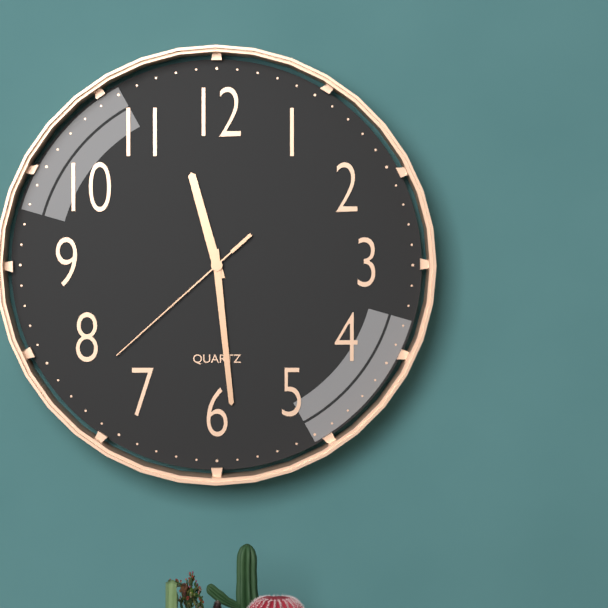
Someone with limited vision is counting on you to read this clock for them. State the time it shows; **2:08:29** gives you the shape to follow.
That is **11:29:38**
